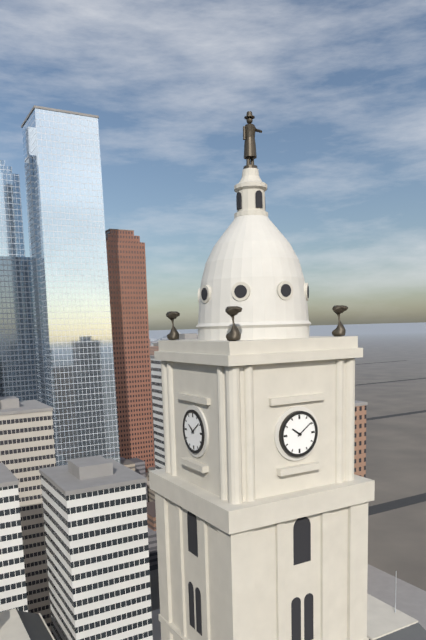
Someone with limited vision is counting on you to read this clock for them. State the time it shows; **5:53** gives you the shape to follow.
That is **10:09**
